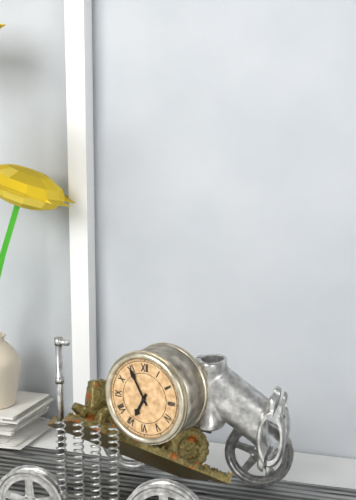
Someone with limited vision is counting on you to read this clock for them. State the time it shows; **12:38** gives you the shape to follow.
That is **6:55**
